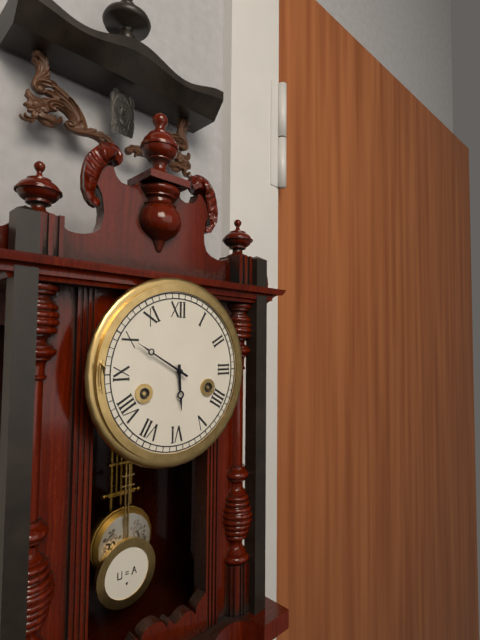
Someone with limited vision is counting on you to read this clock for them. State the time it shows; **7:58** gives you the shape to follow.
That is **5:50**
